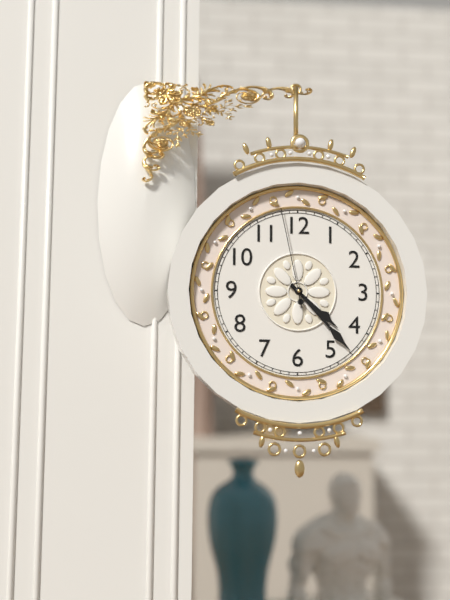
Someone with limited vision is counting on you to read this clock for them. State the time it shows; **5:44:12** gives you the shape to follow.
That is **4:23:58**
